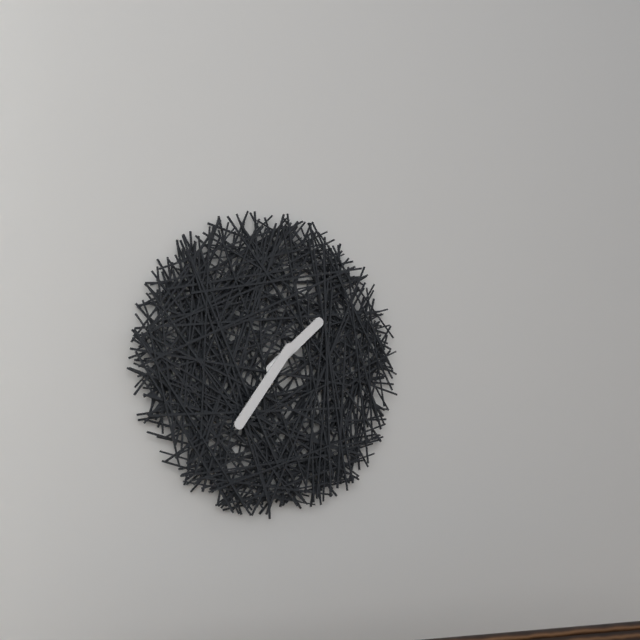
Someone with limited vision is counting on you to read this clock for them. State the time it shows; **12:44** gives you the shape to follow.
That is **1:36**
